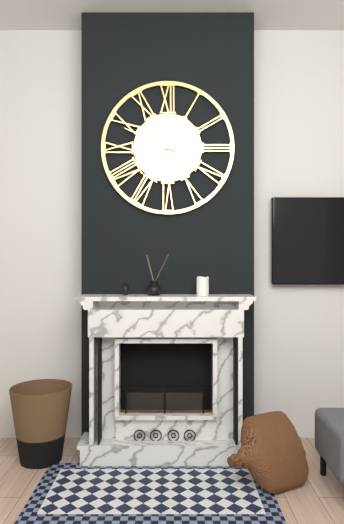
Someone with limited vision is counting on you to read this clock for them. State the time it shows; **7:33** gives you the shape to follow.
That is **2:49**
